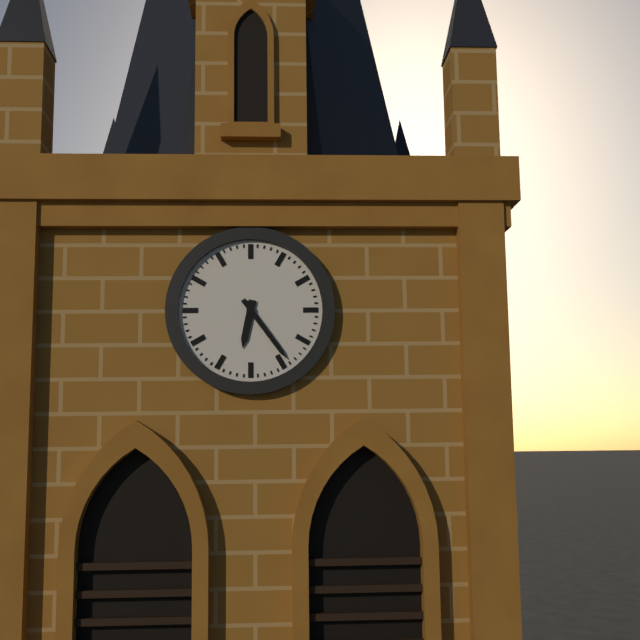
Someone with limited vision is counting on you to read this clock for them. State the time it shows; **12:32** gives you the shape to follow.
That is **6:24**
